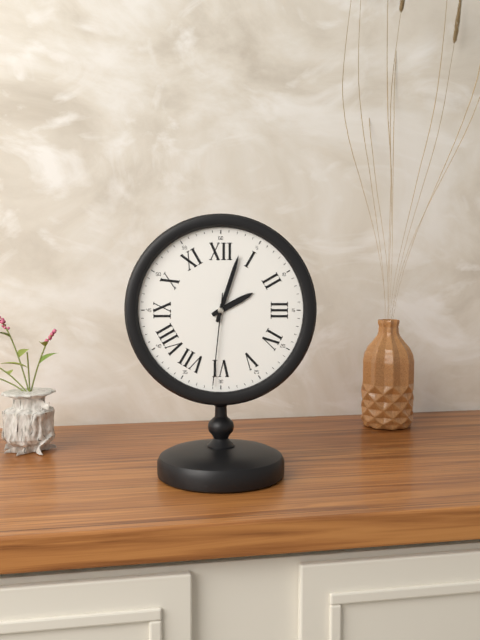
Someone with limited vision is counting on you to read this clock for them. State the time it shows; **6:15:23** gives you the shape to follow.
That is **2:03:31**
